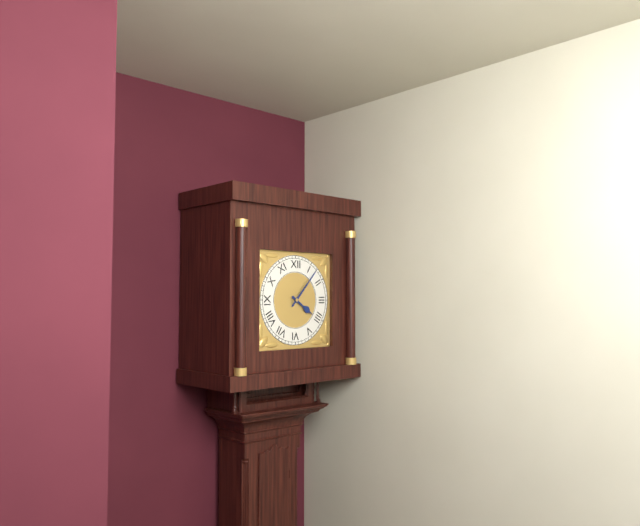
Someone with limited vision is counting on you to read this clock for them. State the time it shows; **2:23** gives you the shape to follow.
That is **4:07**
